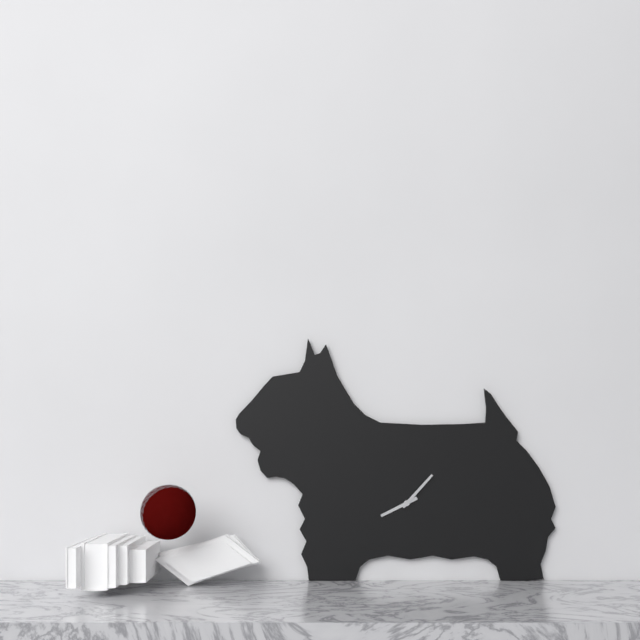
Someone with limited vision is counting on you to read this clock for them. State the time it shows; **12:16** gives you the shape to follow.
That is **8:07**
